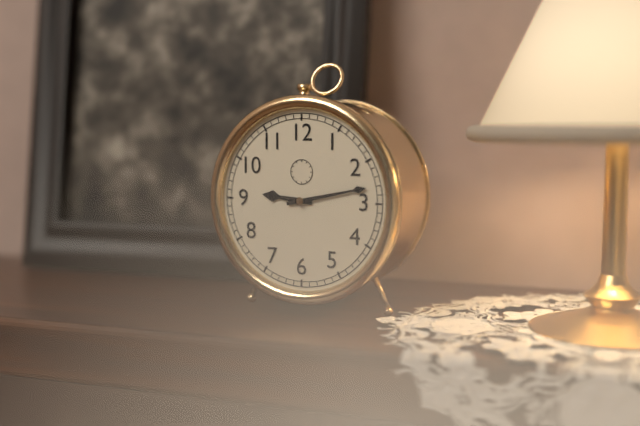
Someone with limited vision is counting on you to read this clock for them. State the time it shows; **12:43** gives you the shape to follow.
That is **9:13**
